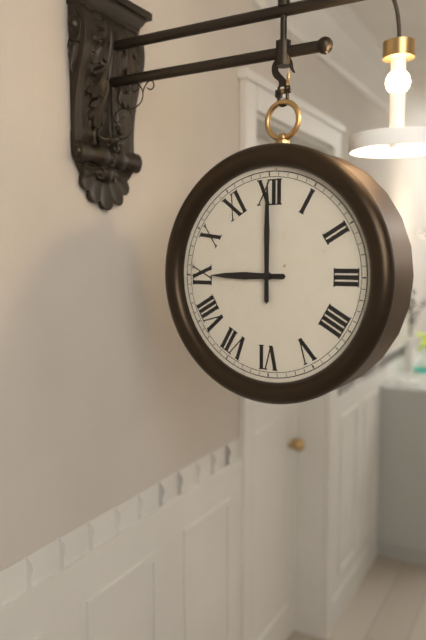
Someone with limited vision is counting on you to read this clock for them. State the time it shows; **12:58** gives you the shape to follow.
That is **9:00**
